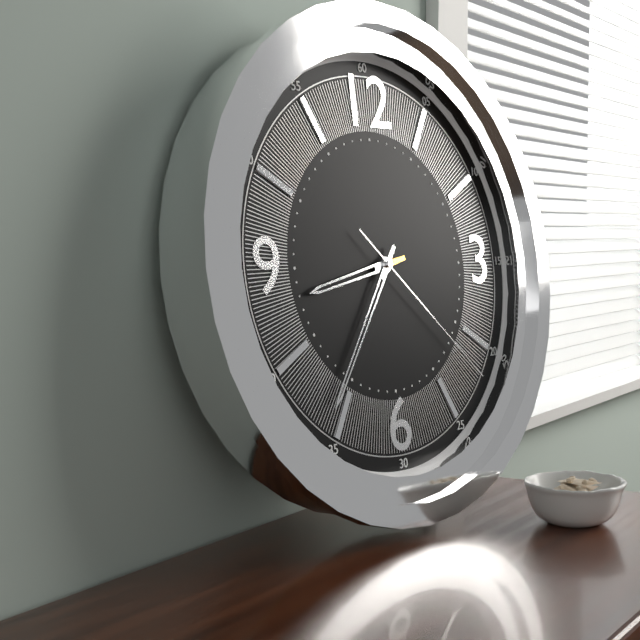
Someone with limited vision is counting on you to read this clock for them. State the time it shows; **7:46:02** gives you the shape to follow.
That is **8:36:22**
